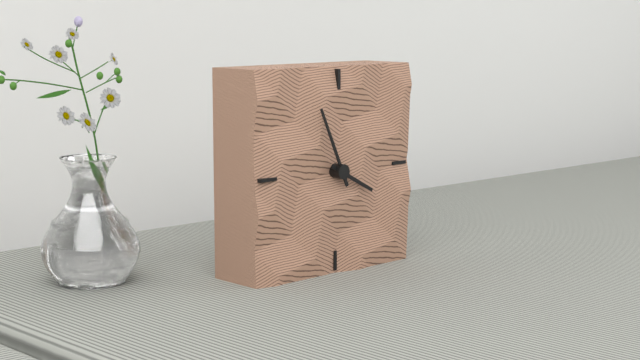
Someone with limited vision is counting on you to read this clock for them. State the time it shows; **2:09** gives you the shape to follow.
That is **3:56**
